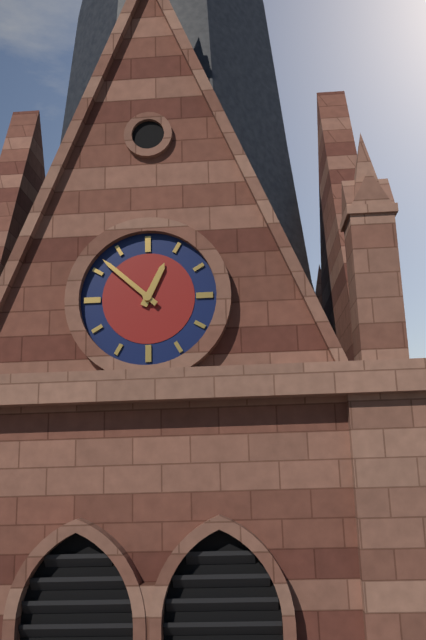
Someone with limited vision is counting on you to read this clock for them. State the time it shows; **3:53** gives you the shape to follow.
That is **12:52**
